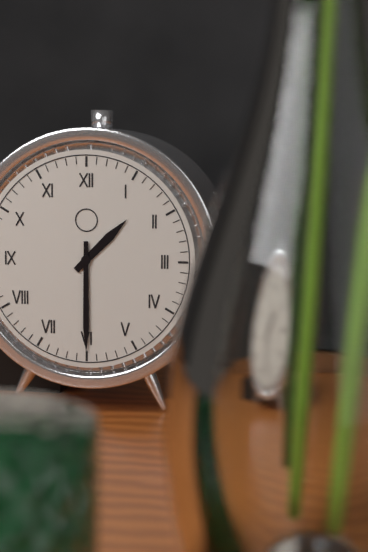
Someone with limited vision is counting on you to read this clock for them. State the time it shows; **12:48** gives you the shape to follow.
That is **1:30**
